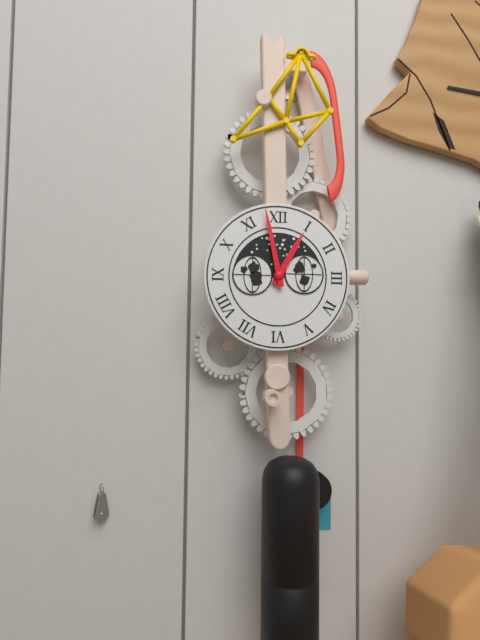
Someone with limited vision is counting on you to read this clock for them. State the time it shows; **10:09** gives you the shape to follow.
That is **12:58**
